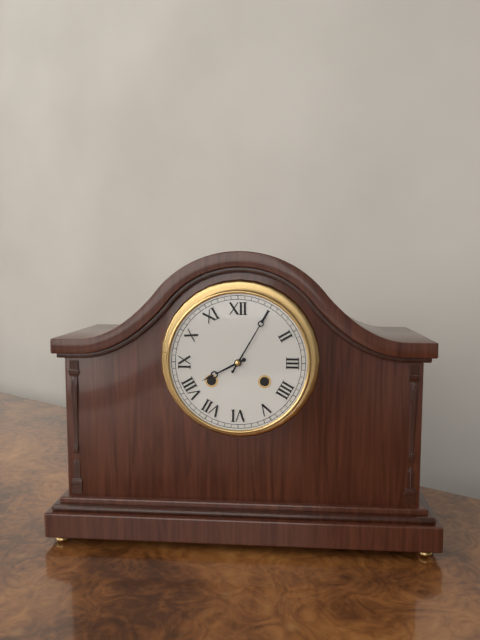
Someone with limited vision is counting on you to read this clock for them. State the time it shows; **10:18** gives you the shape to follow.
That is **8:05**
